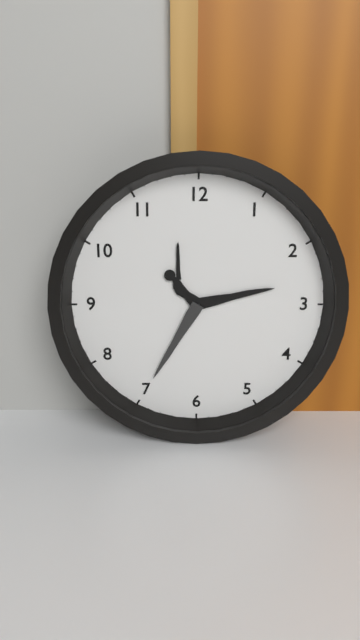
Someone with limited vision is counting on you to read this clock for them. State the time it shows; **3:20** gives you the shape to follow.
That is **2:35**
